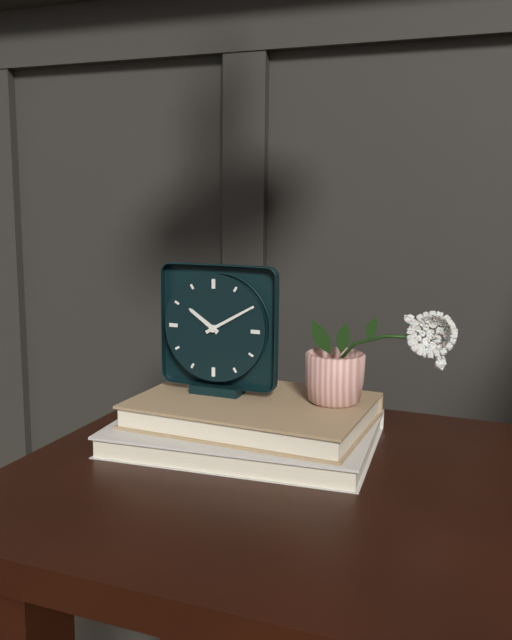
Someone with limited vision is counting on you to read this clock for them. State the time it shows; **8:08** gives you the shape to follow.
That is **10:10**
